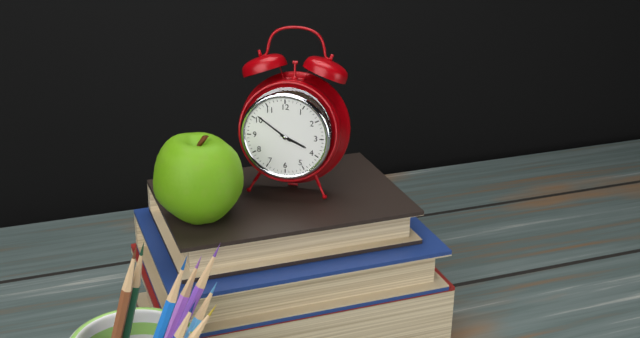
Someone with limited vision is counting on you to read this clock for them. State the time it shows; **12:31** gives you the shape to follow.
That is **3:51**
